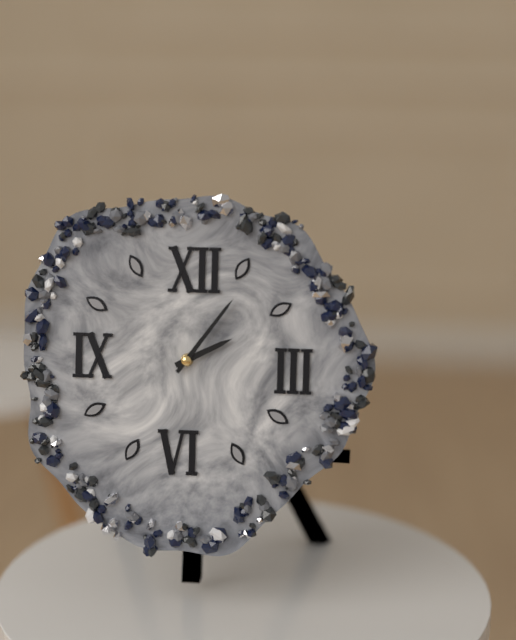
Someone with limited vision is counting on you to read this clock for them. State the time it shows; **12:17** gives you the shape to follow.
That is **2:06**
